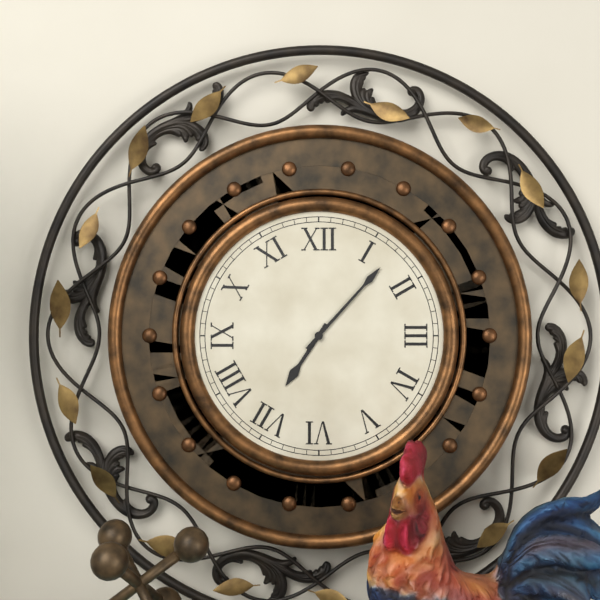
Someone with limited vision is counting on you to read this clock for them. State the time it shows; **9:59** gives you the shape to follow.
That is **7:07**
